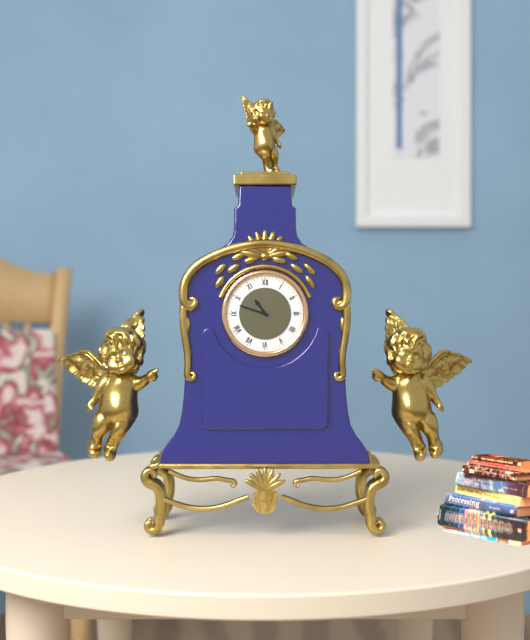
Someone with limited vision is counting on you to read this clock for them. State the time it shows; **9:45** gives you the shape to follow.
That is **10:48**
